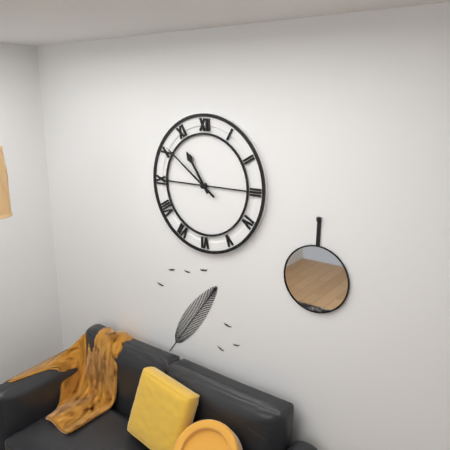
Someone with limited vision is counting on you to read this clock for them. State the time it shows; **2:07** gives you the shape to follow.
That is **10:51**
